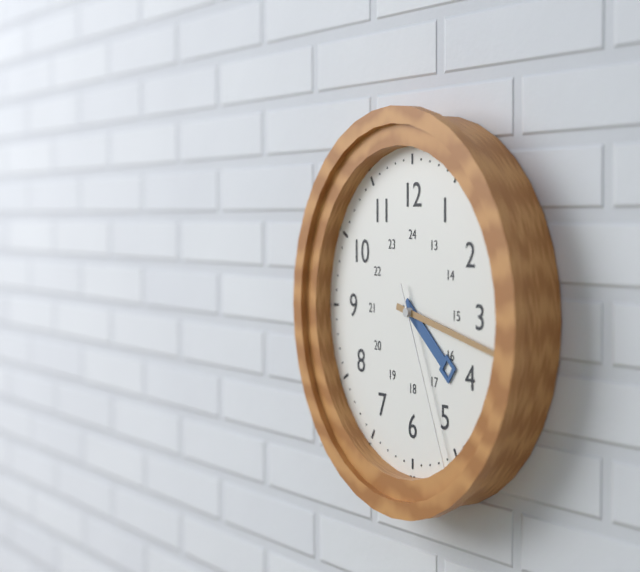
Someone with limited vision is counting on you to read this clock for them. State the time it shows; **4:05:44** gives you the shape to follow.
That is **4:17:26**
